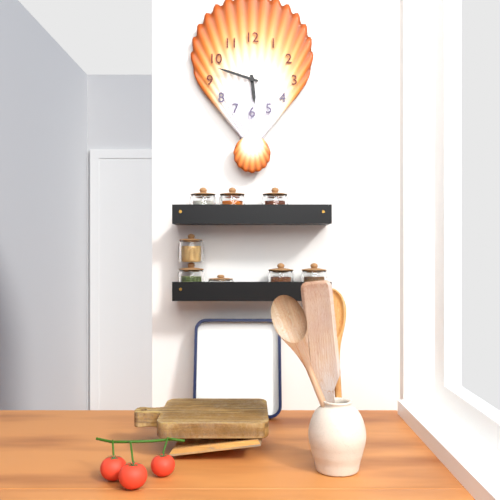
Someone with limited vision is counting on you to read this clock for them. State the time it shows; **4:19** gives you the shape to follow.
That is **5:48**
